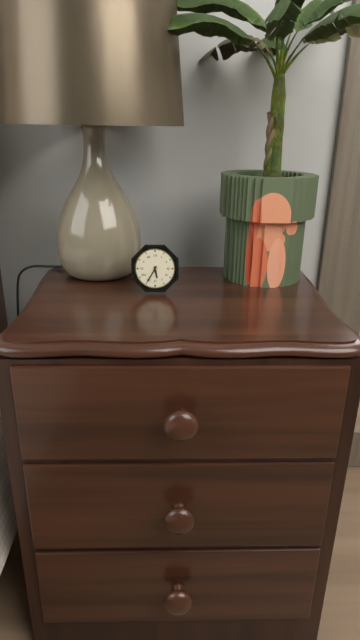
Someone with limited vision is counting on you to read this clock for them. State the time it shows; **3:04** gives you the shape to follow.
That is **5:35**
